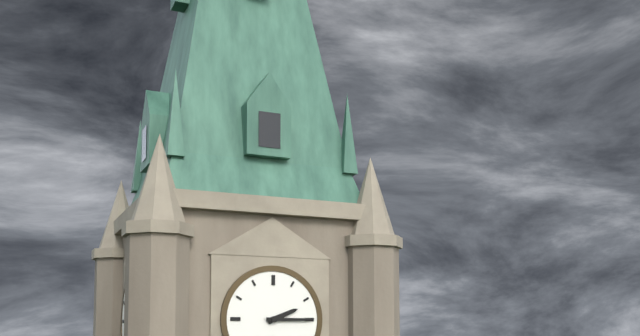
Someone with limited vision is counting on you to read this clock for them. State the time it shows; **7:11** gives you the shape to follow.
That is **2:15**
